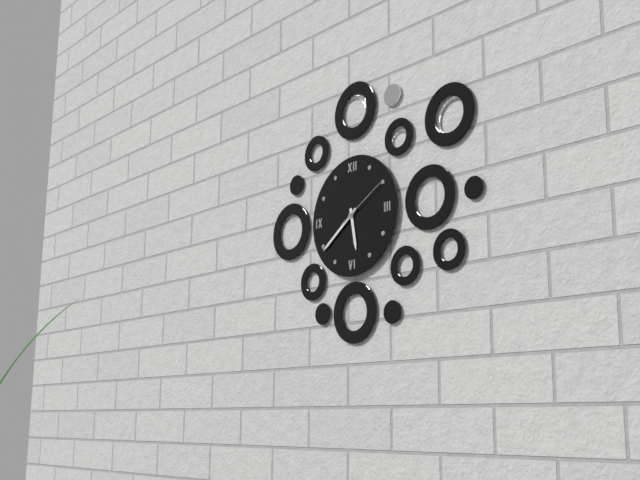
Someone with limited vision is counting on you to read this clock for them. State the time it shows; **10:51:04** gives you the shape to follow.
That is **5:39:10**
